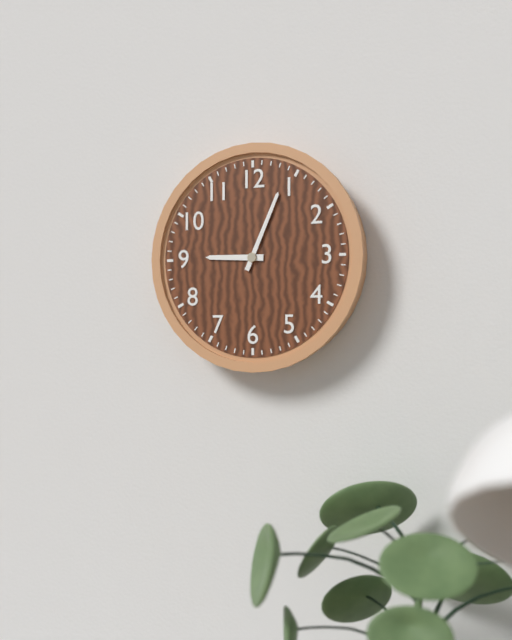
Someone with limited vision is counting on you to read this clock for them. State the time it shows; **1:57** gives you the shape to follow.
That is **9:04**
